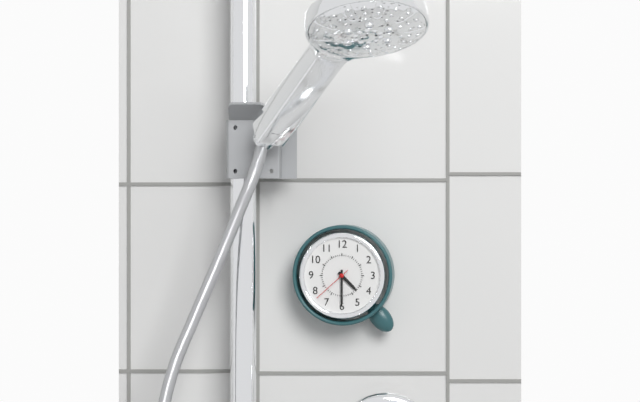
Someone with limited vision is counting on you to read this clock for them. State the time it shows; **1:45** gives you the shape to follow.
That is **4:30**
